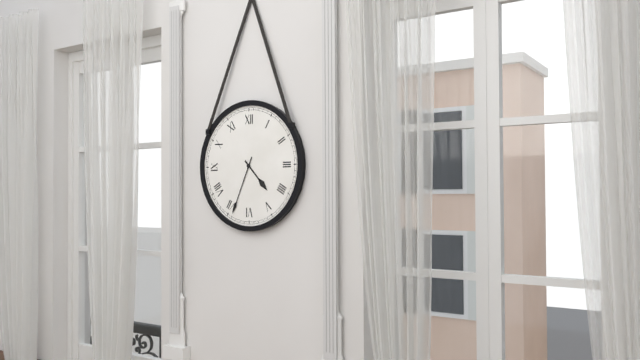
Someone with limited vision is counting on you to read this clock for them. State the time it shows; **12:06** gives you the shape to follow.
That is **4:34**
